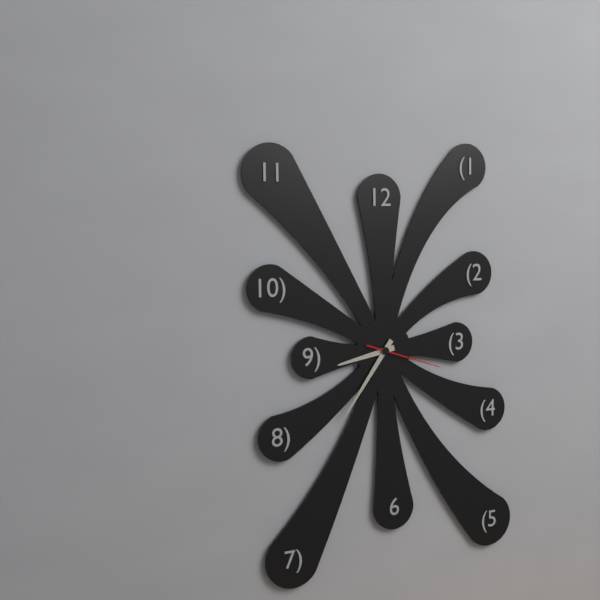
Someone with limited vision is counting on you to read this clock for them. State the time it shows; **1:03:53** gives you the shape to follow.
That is **8:36:18**
